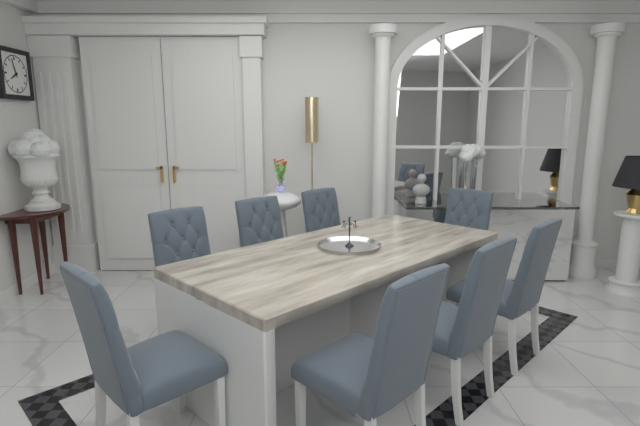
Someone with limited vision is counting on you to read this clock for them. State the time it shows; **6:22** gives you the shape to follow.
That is **7:57**
